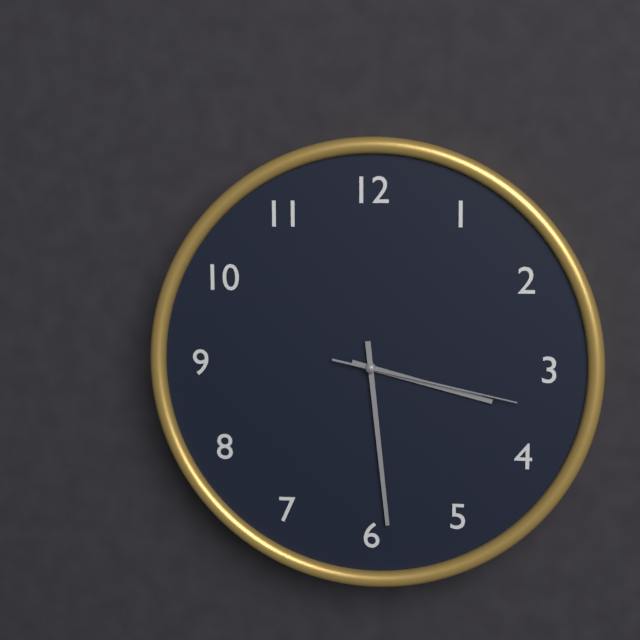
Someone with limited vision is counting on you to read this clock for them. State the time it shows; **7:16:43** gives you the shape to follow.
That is **3:29:17**
